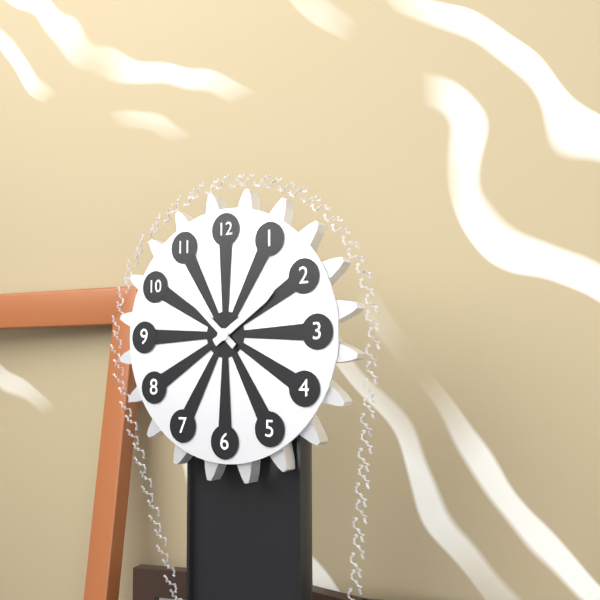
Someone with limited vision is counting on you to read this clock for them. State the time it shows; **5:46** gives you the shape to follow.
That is **1:52**
